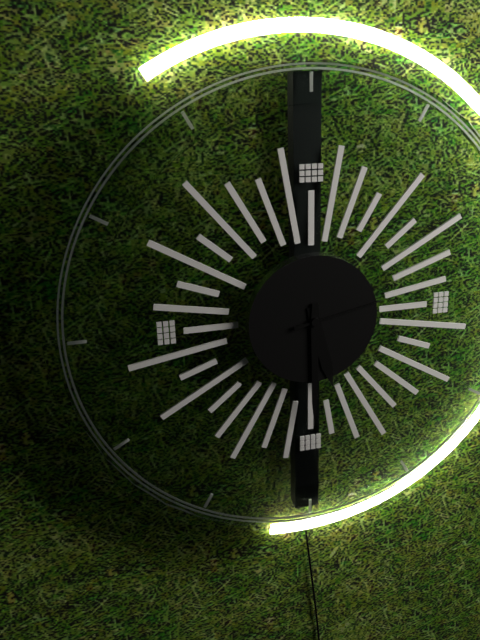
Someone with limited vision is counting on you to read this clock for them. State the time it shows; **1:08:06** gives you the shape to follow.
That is **5:30:13**
